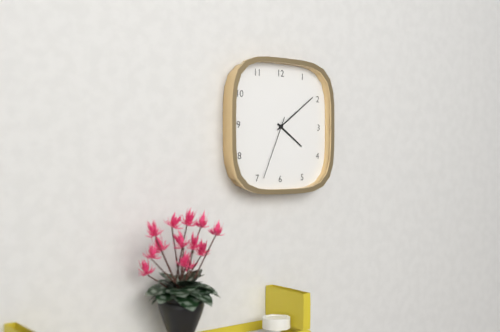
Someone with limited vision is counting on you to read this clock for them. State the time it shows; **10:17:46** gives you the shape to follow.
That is **4:09:34**
